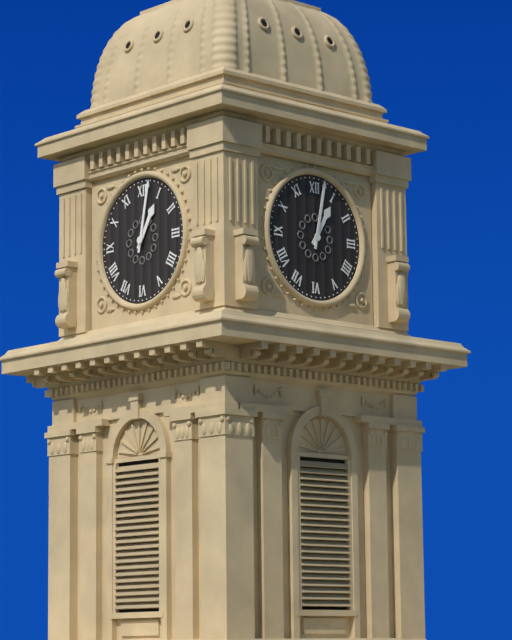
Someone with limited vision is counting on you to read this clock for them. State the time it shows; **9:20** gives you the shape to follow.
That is **1:02**
